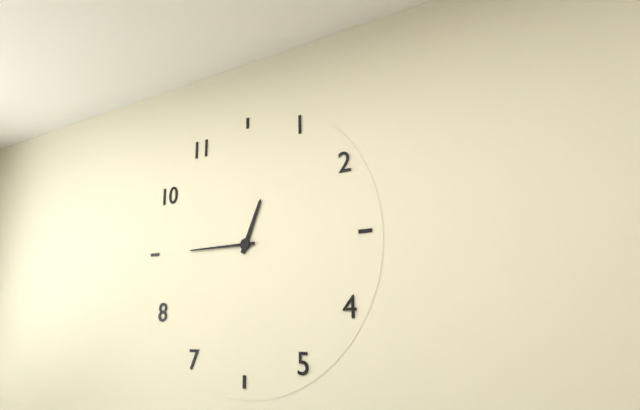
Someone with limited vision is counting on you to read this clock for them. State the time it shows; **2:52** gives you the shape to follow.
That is **12:45**
